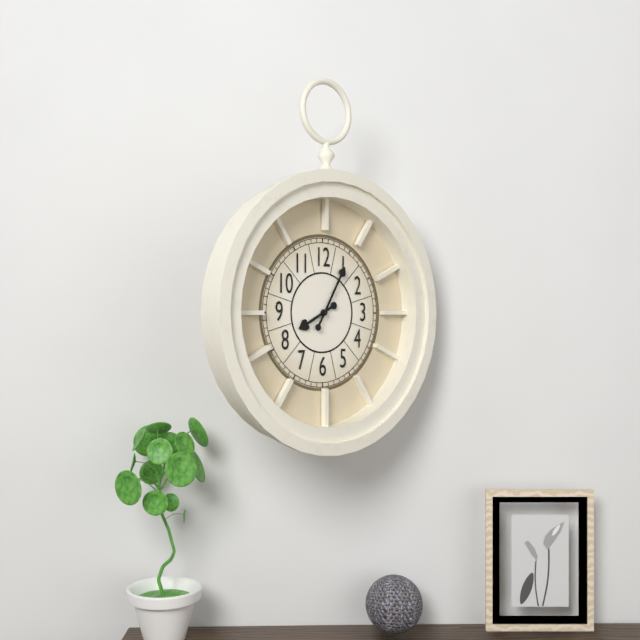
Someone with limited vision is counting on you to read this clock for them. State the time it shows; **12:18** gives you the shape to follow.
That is **8:05**
